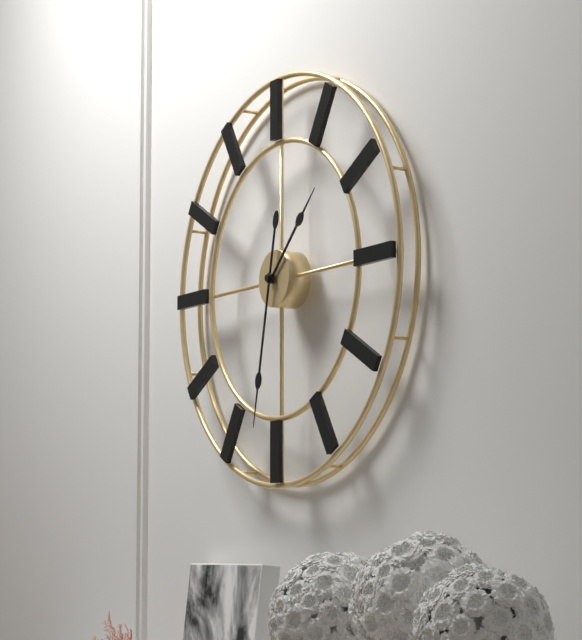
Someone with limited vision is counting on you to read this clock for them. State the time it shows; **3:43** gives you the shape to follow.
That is **1:32**
